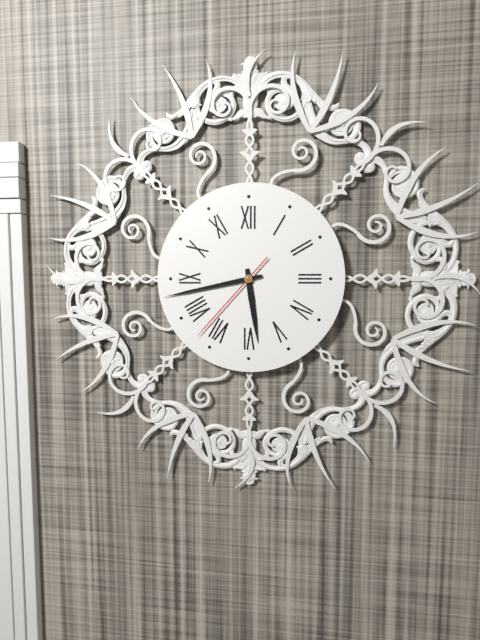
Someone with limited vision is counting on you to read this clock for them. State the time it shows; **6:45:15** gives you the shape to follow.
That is **5:43:37**
